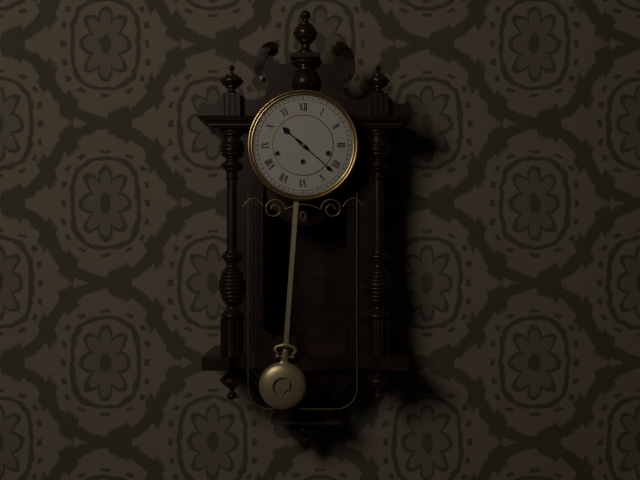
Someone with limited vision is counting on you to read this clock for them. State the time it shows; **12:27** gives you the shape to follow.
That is **10:22**
